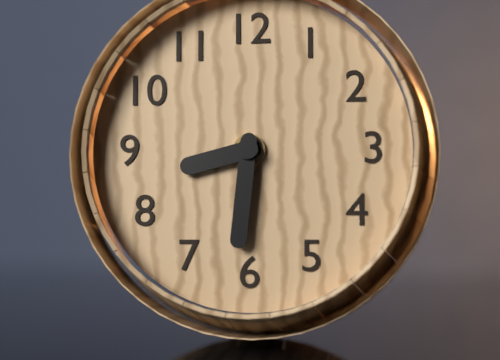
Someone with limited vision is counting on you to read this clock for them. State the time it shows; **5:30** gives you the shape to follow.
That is **8:31**
